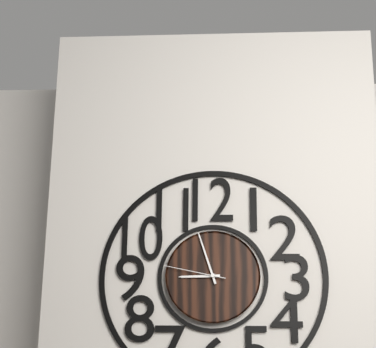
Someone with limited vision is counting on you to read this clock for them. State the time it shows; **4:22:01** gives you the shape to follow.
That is **8:57:47**
